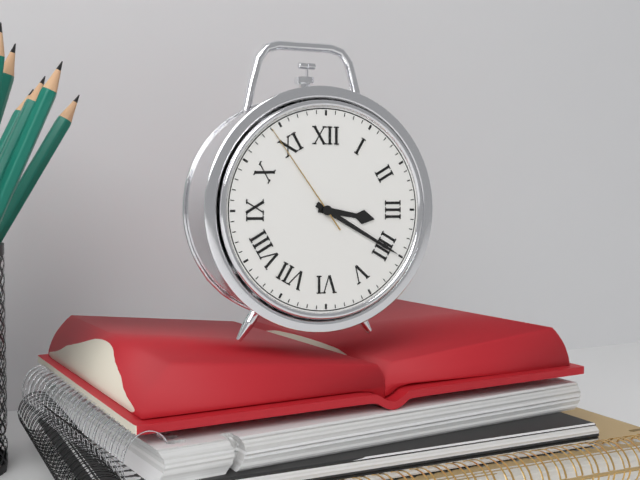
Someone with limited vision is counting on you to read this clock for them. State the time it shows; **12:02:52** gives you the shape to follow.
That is **3:20:54**
